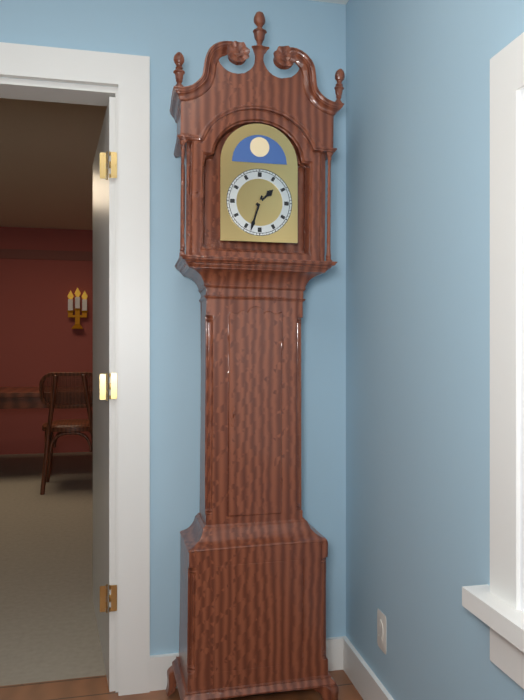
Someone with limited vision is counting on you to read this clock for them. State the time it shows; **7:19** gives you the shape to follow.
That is **1:33**
